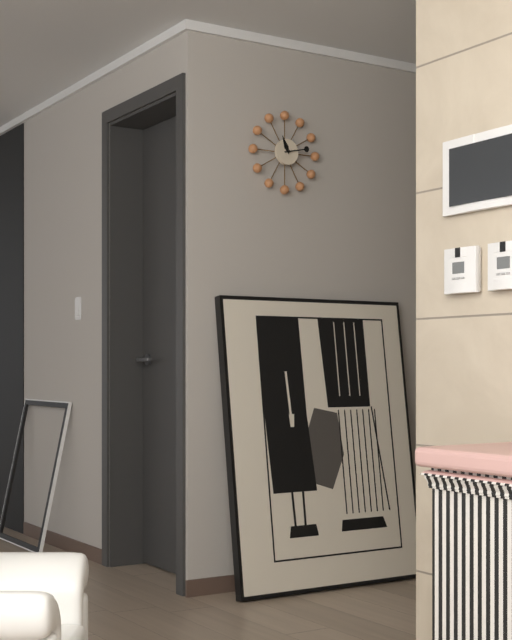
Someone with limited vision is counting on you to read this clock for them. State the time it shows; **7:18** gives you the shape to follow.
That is **11:13**
